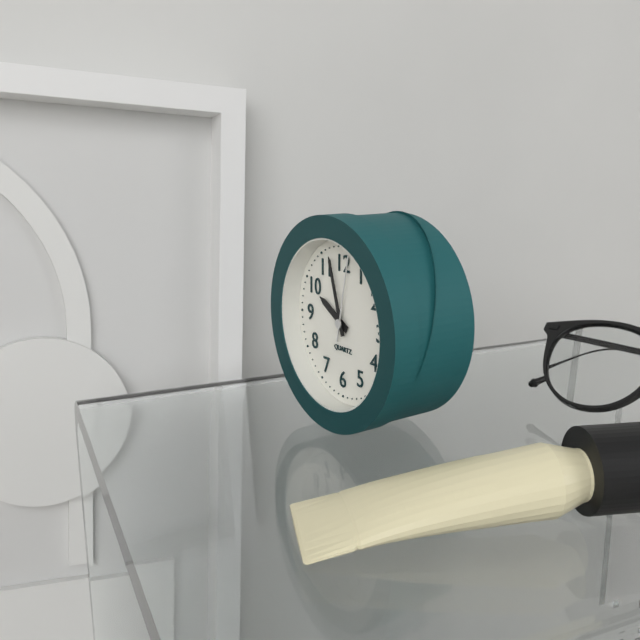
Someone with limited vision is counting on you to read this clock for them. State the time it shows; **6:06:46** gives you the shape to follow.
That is **9:57:02**
